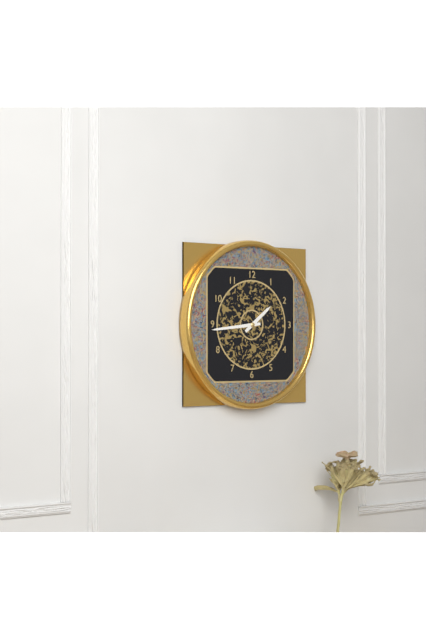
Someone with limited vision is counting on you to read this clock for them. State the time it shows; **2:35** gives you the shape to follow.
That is **1:44**
